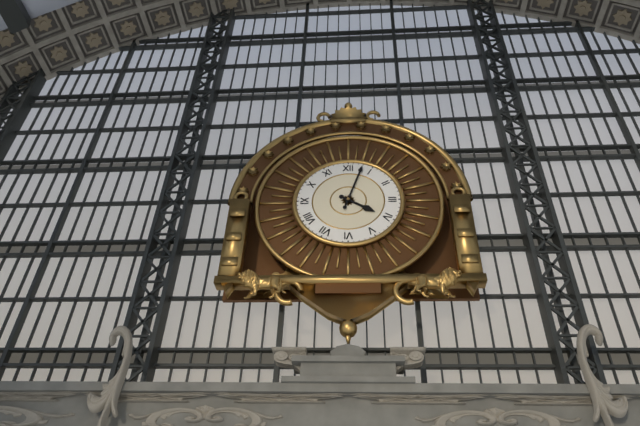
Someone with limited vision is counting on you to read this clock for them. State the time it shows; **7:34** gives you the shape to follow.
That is **4:03**
